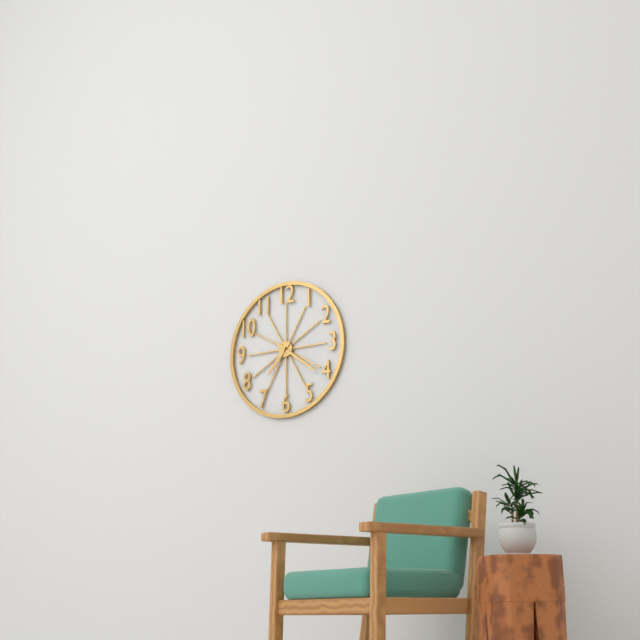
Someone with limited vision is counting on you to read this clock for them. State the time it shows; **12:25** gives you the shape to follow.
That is **7:21**
